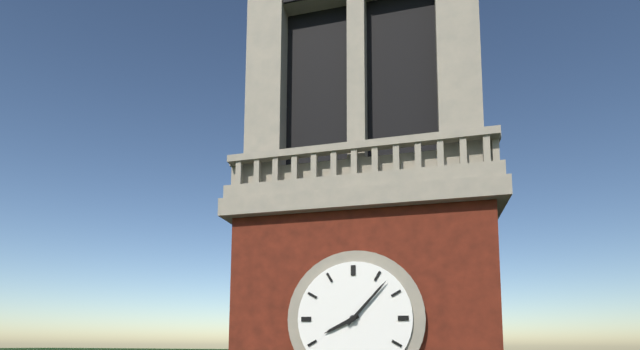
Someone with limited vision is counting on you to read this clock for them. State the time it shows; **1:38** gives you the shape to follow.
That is **8:07**
